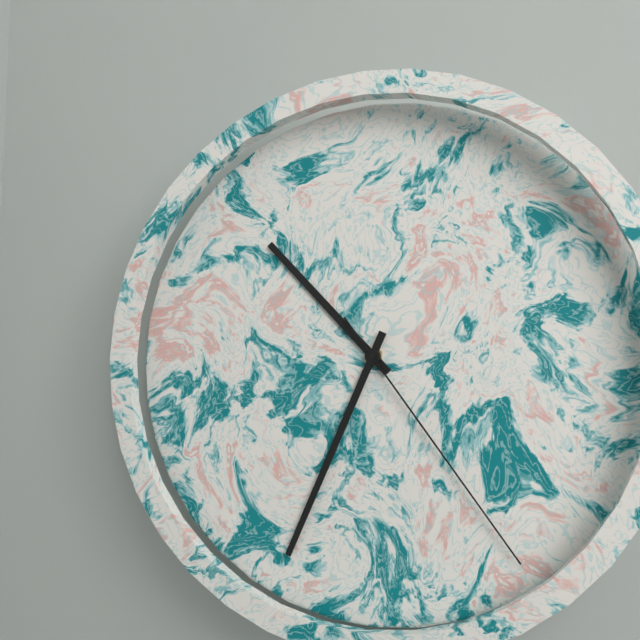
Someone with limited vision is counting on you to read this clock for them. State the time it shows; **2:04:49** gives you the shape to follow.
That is **10:34:24**
